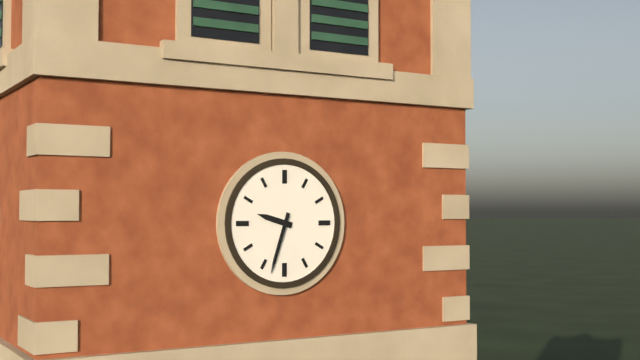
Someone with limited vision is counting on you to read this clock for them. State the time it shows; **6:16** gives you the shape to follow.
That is **9:33**
